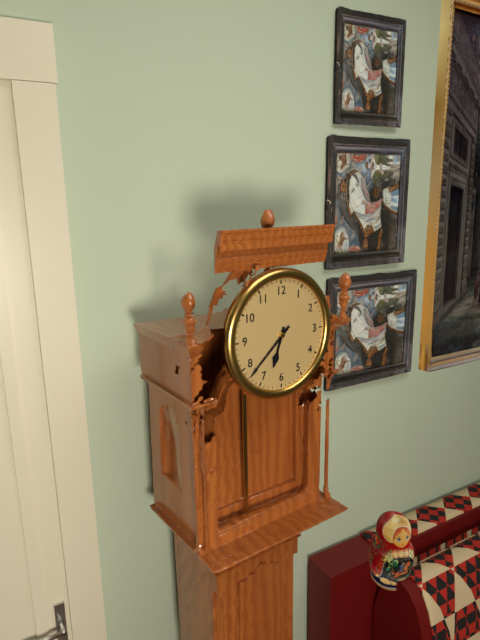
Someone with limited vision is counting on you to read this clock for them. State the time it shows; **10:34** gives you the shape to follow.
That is **6:38**
